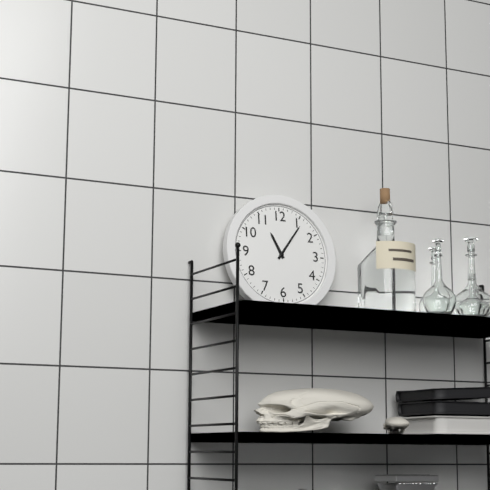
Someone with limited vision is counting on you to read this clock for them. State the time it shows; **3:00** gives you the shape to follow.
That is **11:06**
